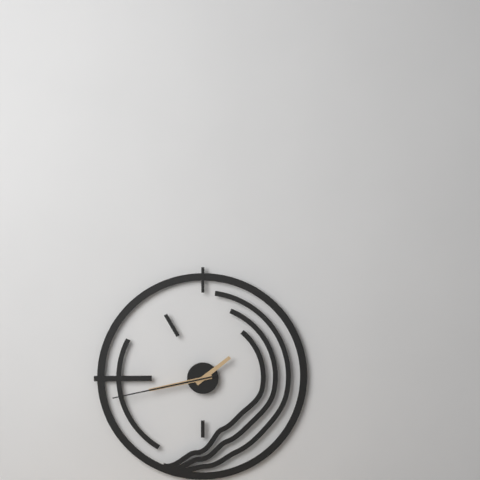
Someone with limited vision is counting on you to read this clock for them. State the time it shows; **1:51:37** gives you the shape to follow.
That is **1:43:43**
